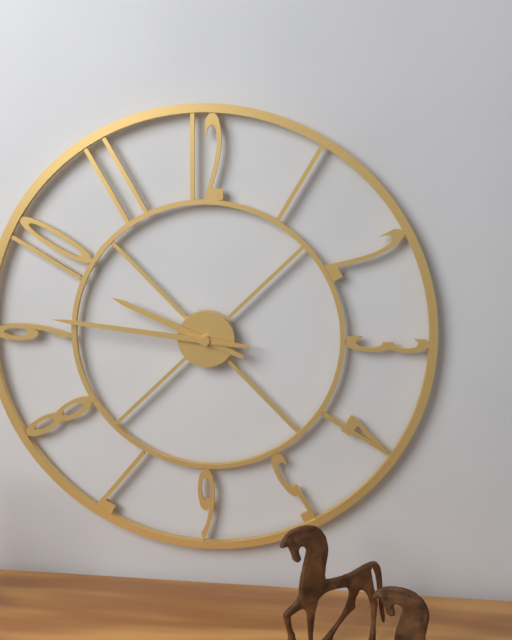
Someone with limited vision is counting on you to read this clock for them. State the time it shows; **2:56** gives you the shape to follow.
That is **9:46**
